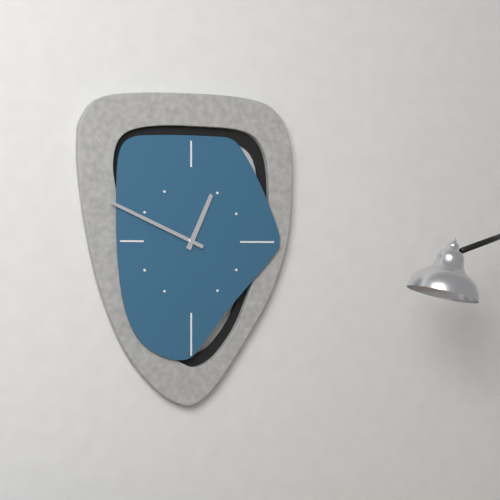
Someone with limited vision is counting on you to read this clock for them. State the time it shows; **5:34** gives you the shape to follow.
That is **12:49**
